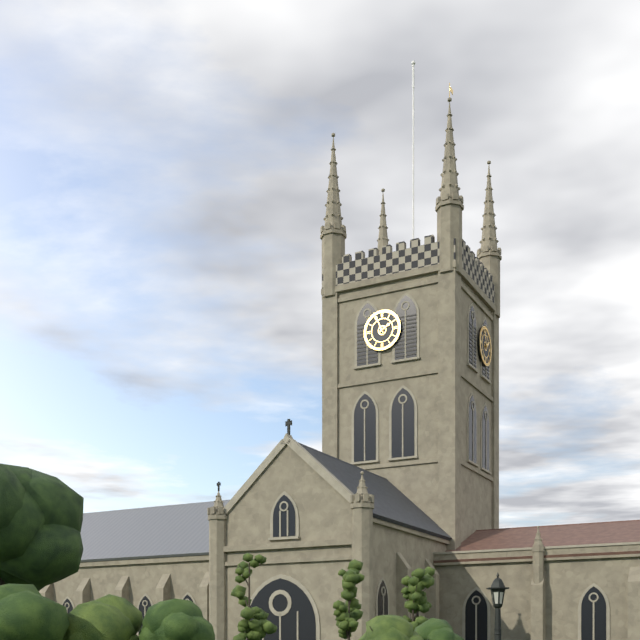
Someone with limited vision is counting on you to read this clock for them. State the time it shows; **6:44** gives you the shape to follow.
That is **1:56**
